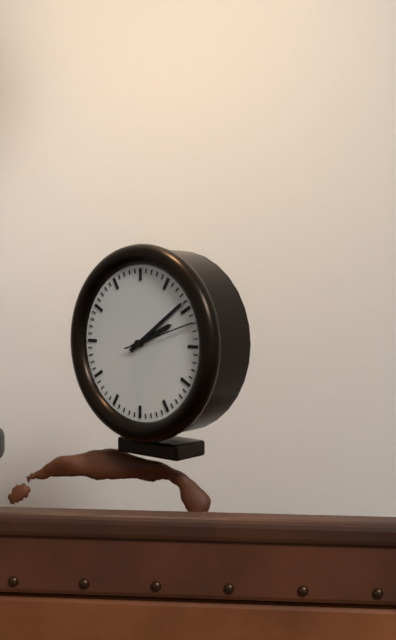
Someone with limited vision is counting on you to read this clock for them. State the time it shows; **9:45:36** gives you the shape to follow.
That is **2:09:12**
